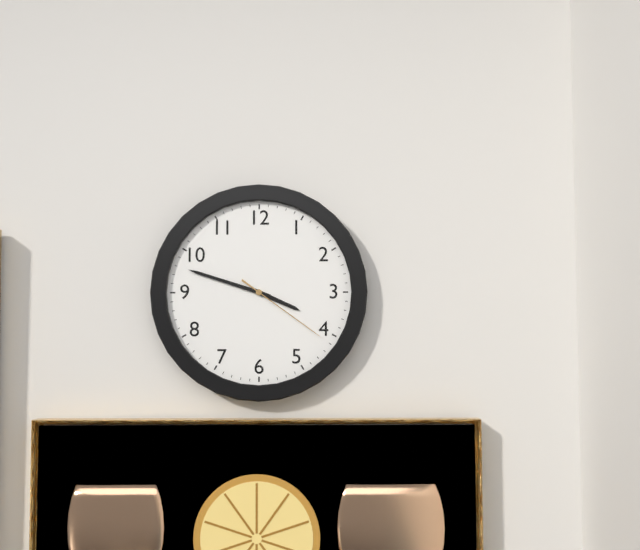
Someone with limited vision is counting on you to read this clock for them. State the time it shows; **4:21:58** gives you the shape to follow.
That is **3:48:21**
